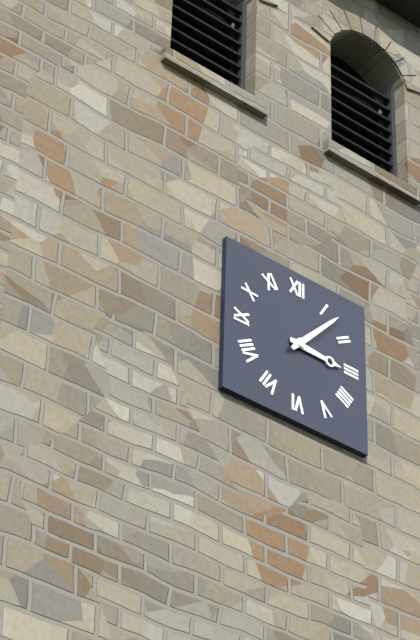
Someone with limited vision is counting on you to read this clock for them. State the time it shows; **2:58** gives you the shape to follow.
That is **3:07**
